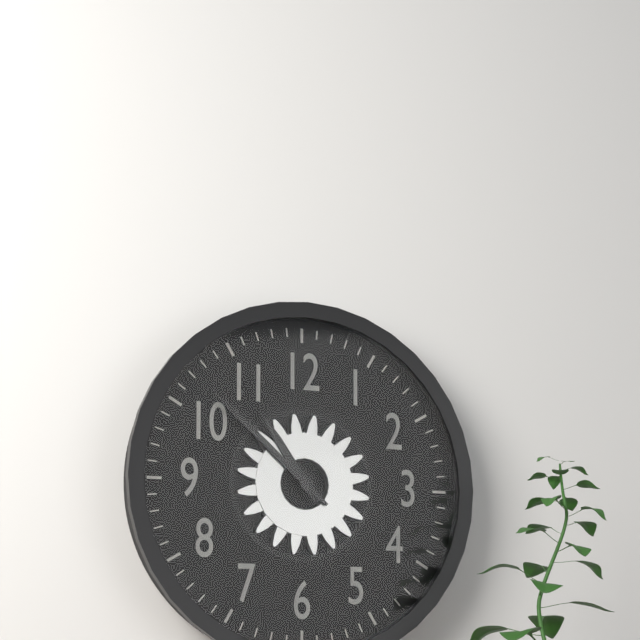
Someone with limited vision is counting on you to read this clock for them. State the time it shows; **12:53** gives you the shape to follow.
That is **10:52**
